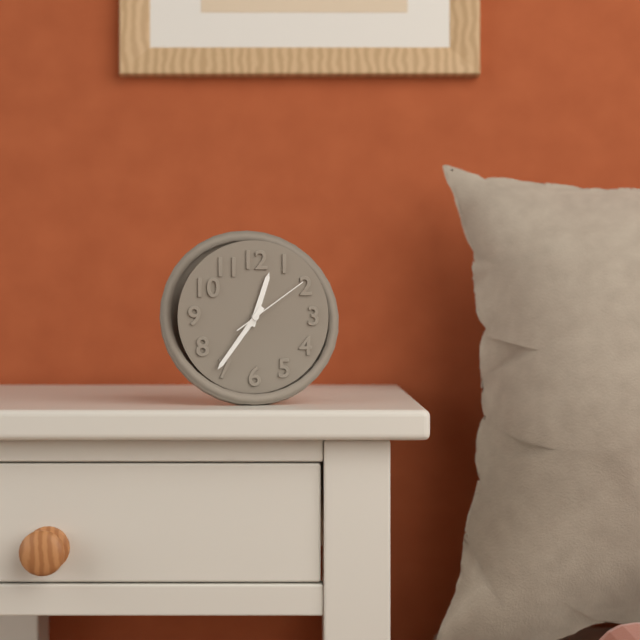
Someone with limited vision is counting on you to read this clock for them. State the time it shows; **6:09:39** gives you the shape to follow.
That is **12:36:09**
